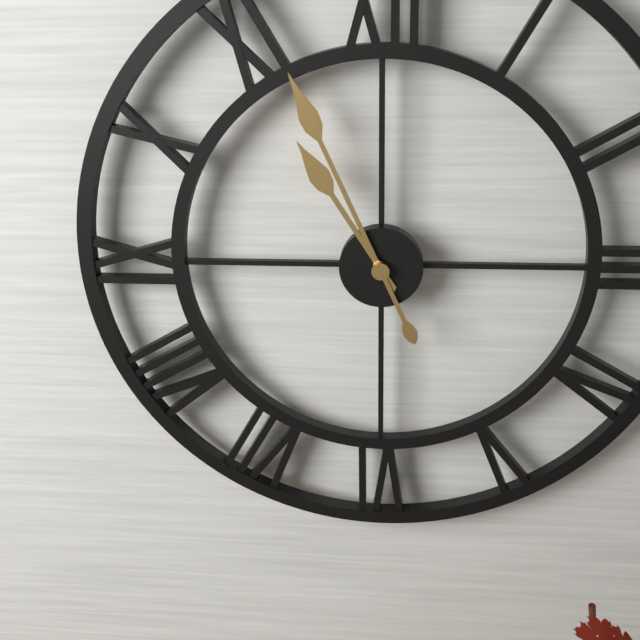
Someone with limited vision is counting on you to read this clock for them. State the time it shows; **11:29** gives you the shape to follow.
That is **10:56**
